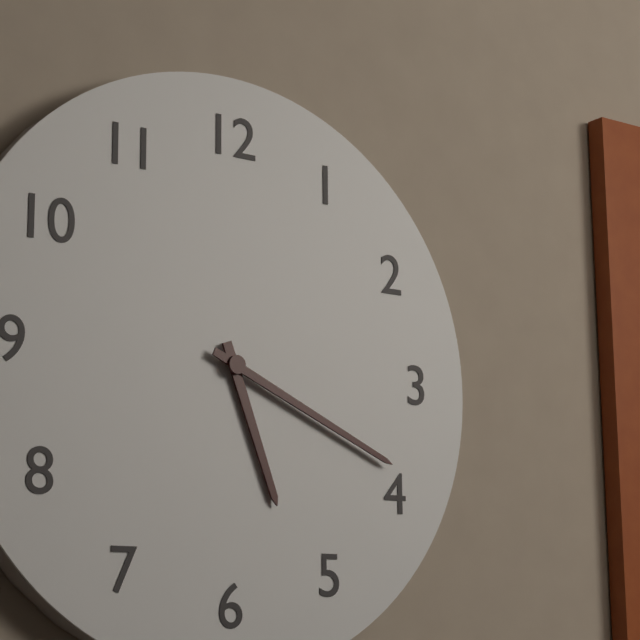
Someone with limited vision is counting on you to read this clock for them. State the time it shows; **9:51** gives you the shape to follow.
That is **5:19**
